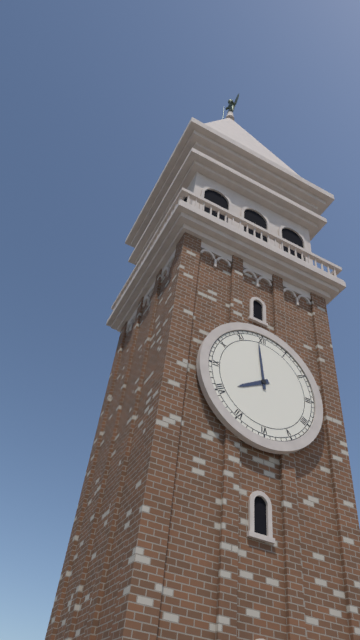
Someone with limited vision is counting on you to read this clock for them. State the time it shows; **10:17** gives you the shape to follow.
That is **7:59**
